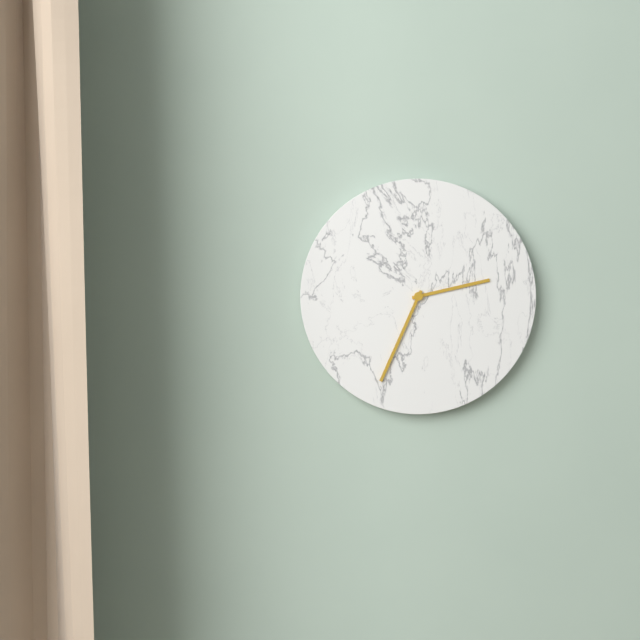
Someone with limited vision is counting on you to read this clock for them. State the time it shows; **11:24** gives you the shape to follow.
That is **2:34**
